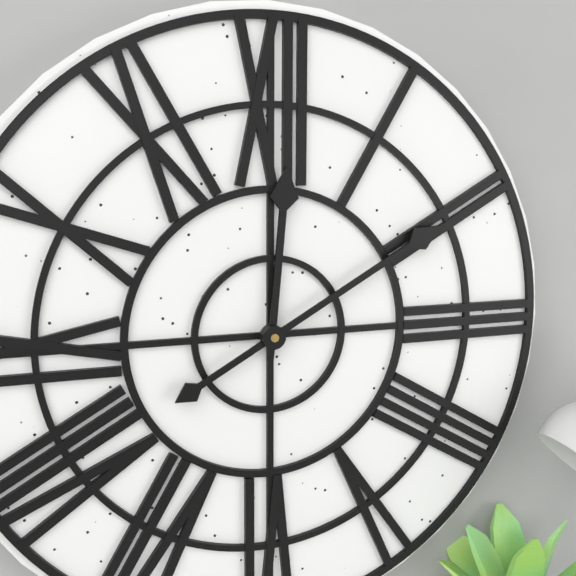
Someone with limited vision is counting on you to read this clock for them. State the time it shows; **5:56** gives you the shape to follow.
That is **12:10**
